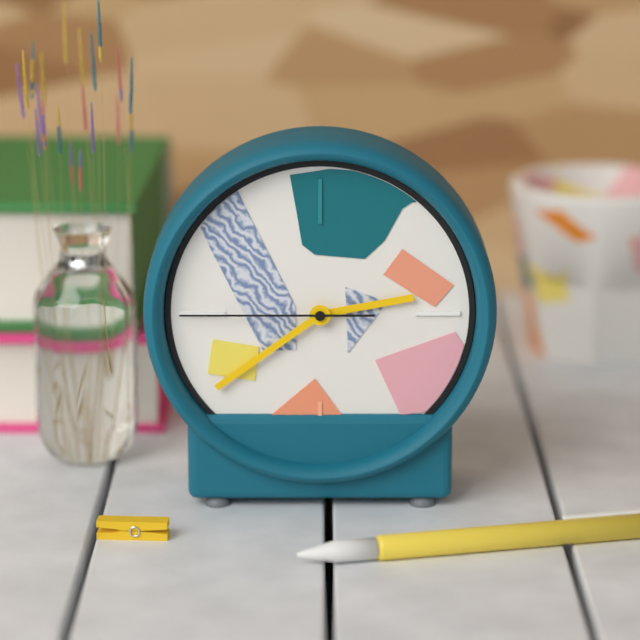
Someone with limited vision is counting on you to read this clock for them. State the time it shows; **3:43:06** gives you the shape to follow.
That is **2:39:45**
